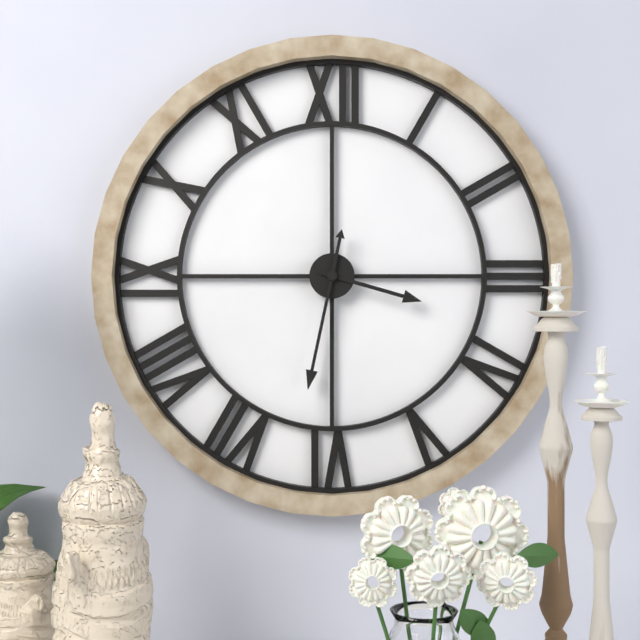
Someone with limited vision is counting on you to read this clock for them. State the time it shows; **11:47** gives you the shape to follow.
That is **3:32**
